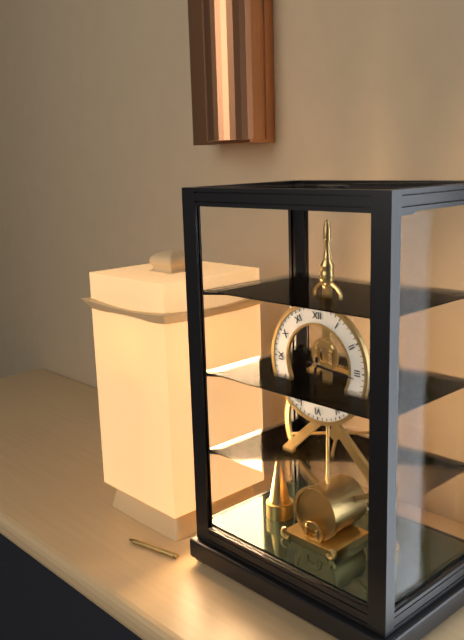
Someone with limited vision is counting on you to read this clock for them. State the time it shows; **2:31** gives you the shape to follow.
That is **6:16**
